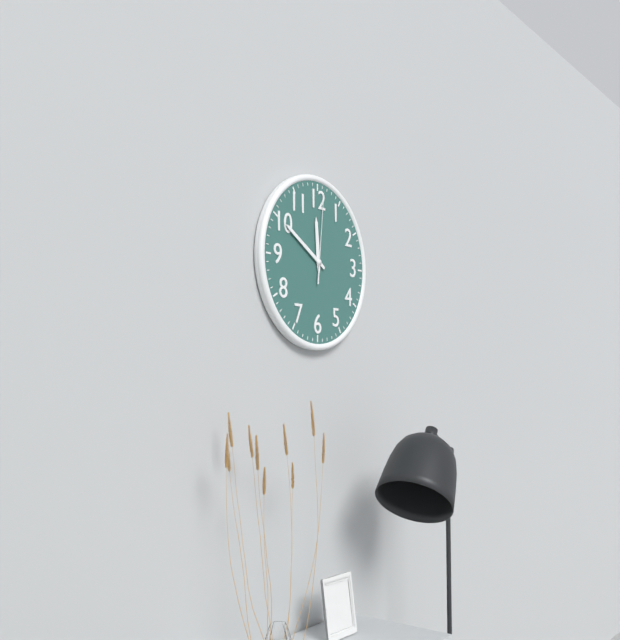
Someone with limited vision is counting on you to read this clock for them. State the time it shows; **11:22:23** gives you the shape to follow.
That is **11:50:01**
